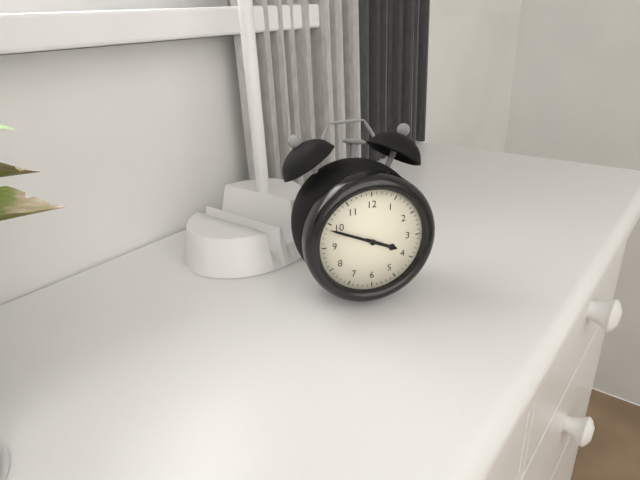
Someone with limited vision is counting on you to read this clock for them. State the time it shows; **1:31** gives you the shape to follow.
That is **3:49**
